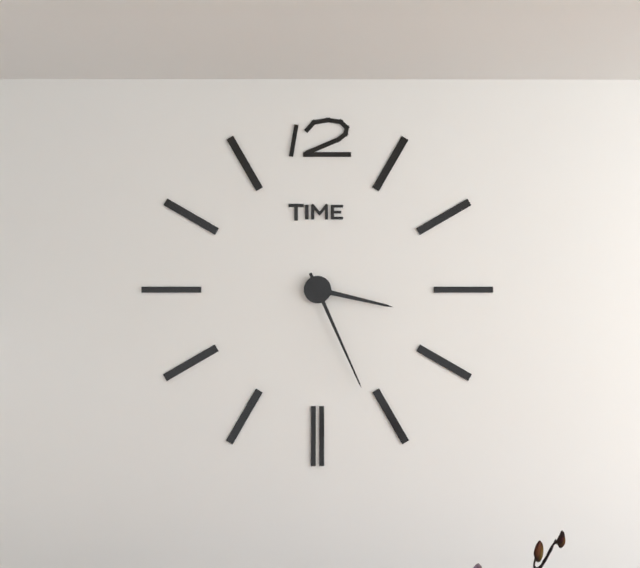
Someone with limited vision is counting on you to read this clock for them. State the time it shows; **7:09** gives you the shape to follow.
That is **3:26**
